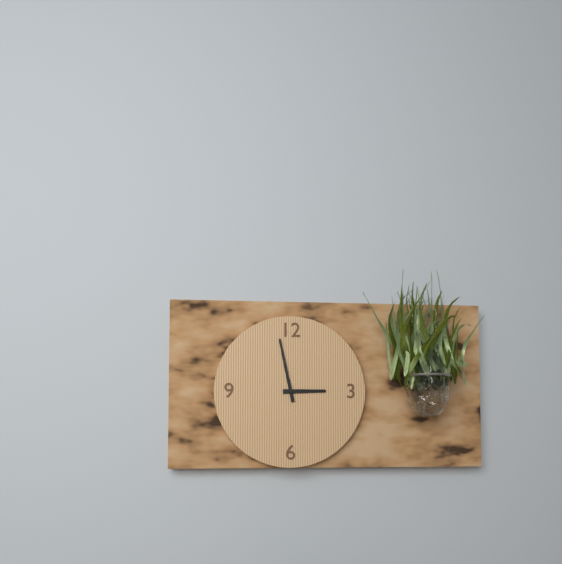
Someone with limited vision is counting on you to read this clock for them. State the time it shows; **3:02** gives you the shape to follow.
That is **2:58**
